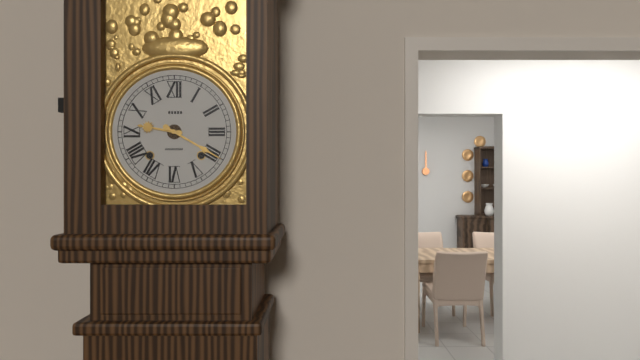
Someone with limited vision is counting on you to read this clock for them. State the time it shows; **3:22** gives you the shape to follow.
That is **9:20**
